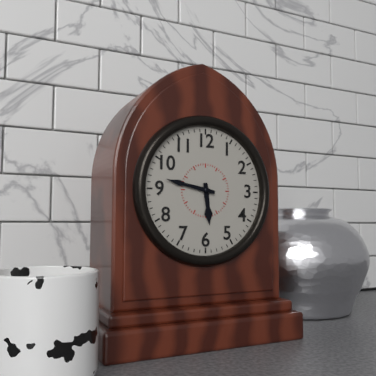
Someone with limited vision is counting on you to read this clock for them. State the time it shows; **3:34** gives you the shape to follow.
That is **5:47**
